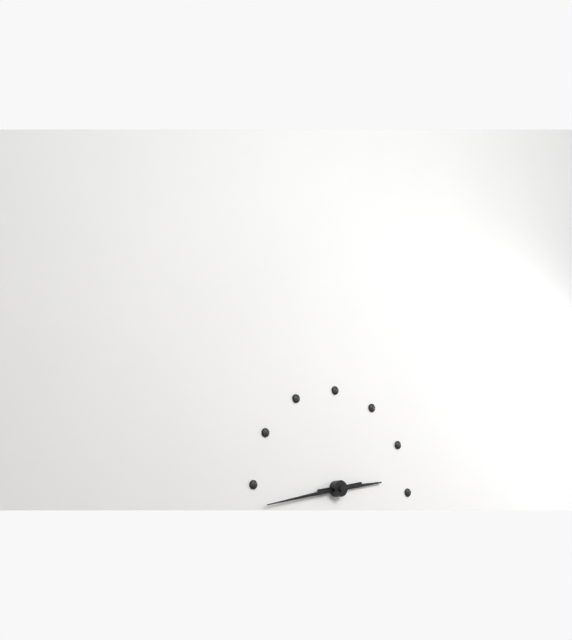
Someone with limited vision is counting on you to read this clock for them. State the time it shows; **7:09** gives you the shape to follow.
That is **2:43**
